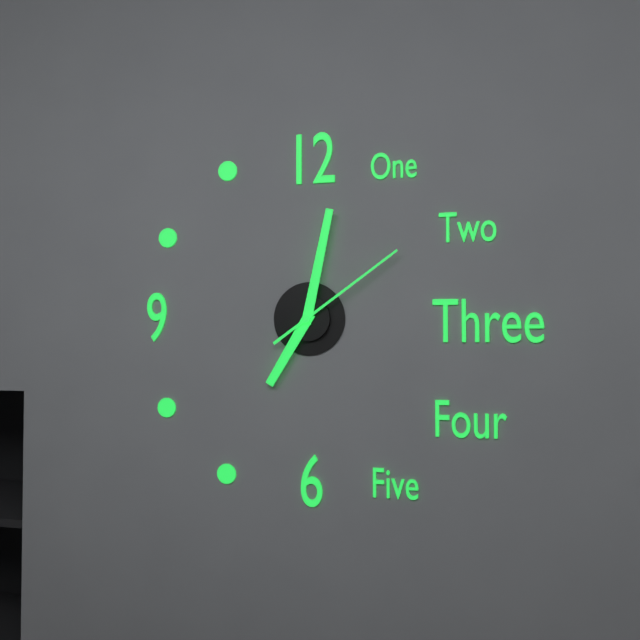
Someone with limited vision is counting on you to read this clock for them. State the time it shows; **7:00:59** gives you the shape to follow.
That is **7:02:09**
